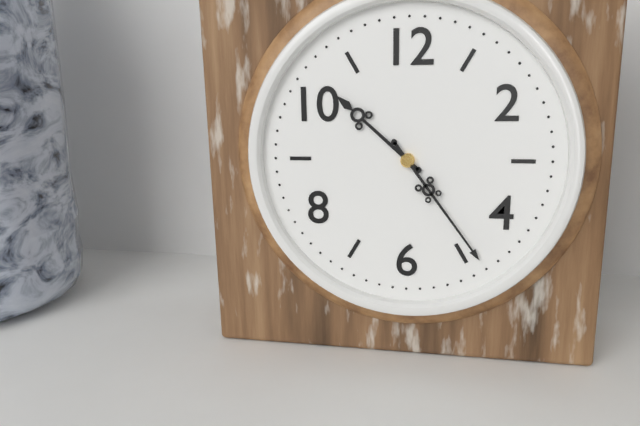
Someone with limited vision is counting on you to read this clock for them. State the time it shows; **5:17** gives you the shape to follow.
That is **10:24**
